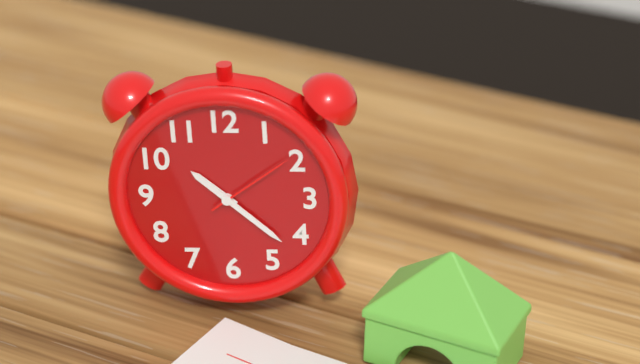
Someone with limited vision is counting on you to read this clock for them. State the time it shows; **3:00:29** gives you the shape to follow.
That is **10:22:09**
